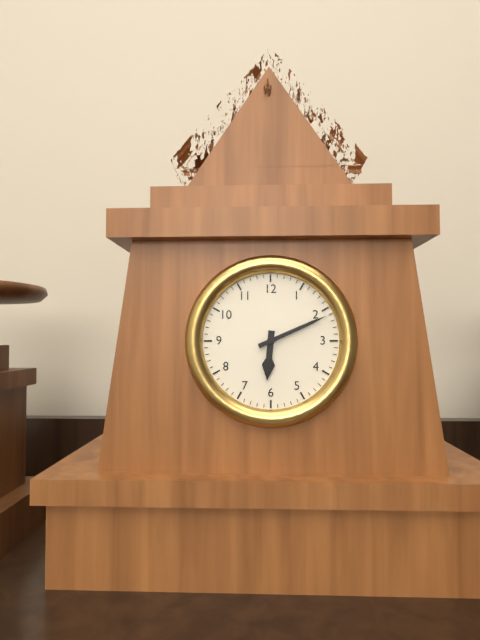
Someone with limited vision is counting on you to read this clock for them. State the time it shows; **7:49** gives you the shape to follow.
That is **6:11**
